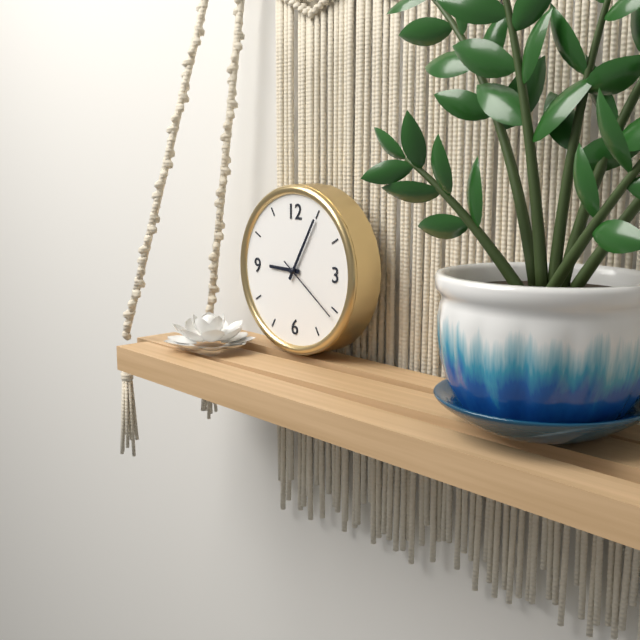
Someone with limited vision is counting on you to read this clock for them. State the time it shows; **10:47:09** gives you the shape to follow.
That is **9:05:21**
